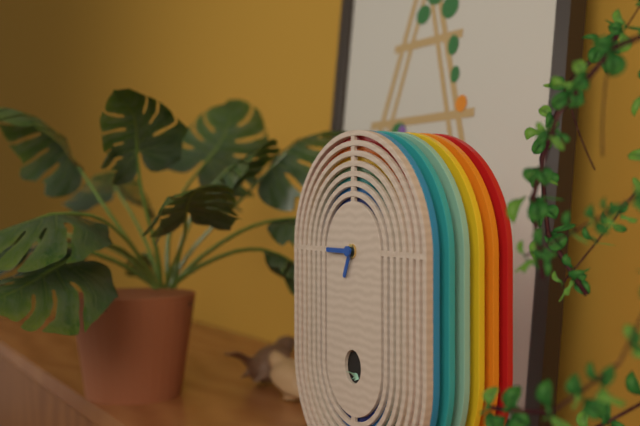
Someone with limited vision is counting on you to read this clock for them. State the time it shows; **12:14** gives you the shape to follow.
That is **6:45**
